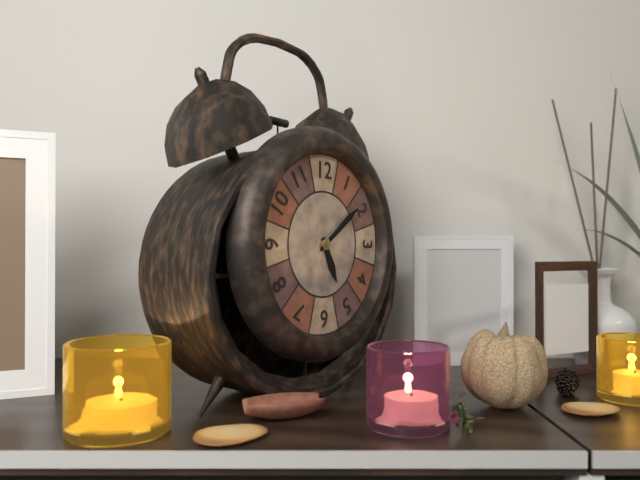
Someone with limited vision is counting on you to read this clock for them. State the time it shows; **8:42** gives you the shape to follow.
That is **5:09**
